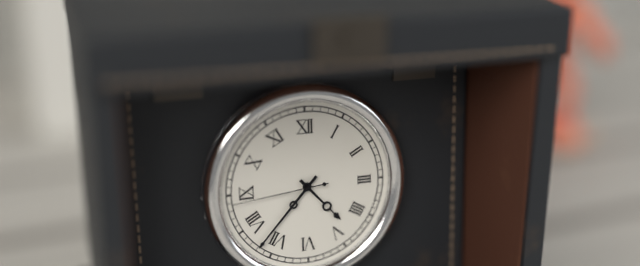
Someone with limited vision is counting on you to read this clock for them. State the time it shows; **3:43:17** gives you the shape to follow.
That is **4:37:44**
